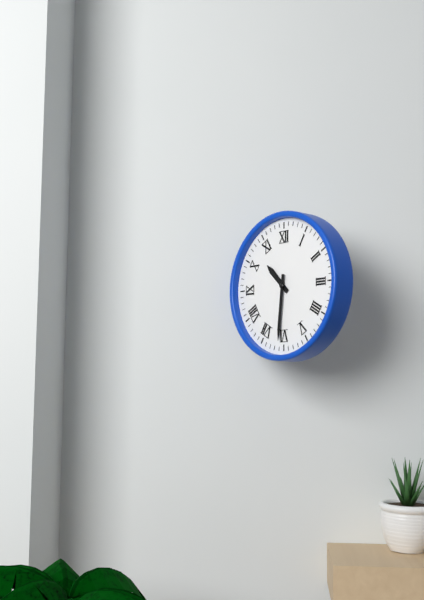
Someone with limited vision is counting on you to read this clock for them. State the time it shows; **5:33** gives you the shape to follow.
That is **10:31**
